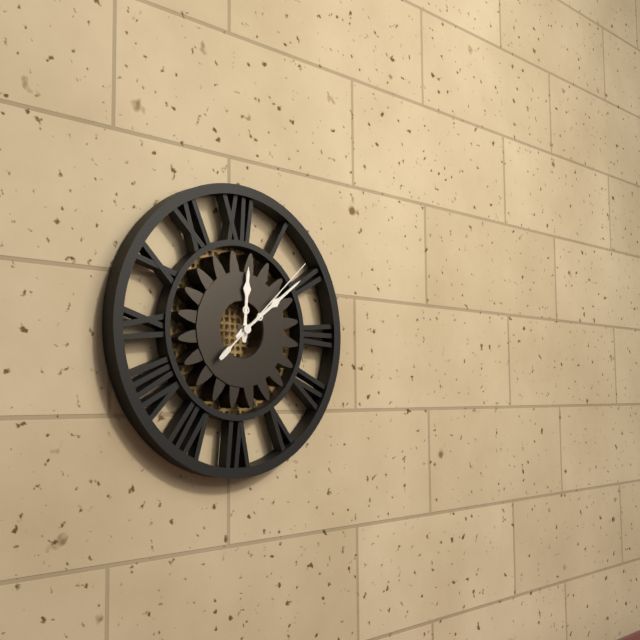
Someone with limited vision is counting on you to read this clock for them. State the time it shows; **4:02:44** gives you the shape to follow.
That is **12:09:08**
